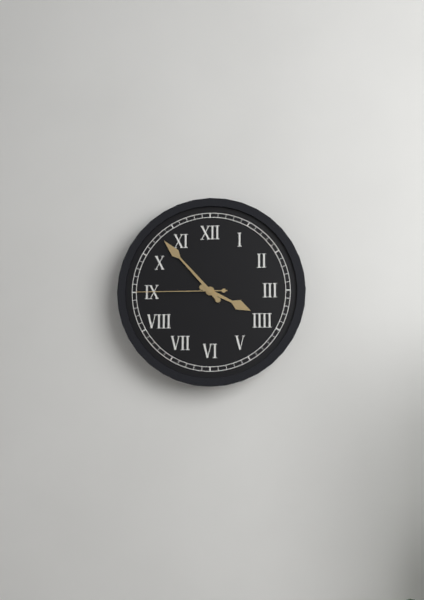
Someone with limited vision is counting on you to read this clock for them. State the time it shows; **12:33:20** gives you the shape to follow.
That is **3:53:45**
